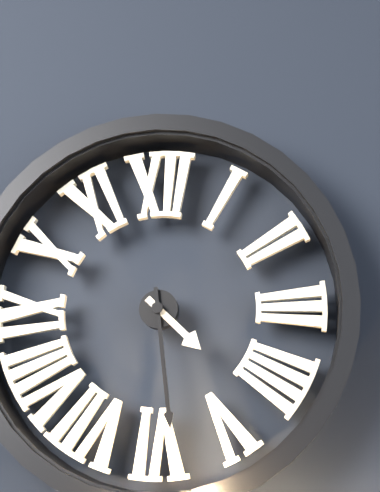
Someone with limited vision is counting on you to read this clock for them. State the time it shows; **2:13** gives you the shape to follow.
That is **4:29**
